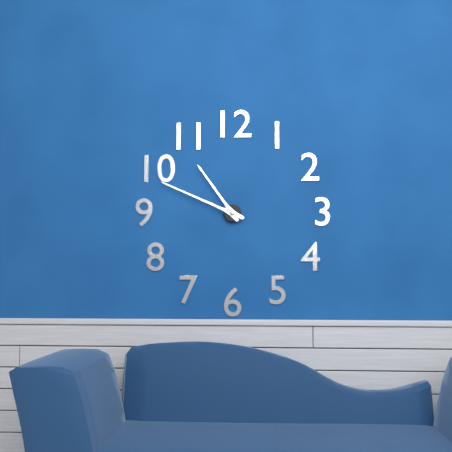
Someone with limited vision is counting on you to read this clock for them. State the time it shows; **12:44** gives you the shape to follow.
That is **10:49**
